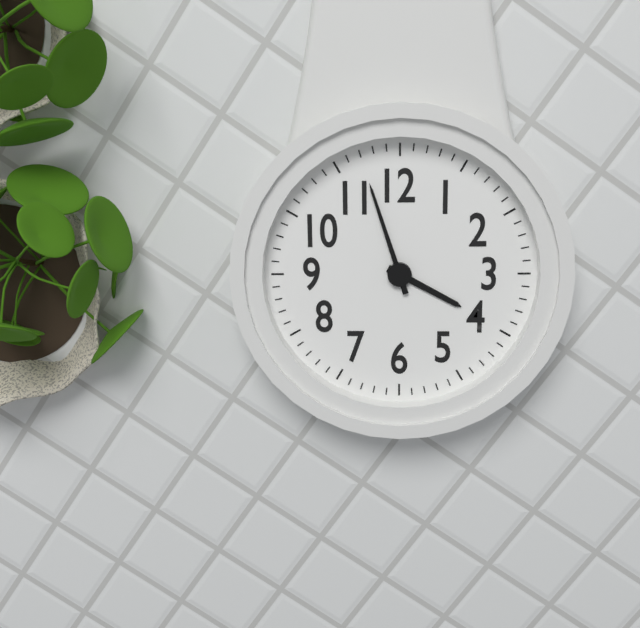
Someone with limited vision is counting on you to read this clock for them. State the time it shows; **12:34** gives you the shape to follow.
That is **3:57**
